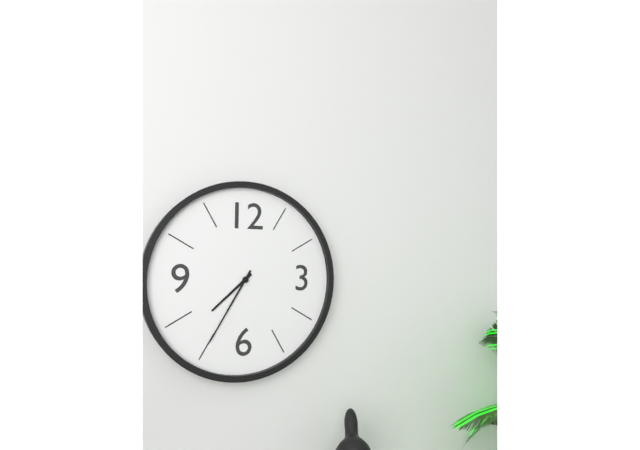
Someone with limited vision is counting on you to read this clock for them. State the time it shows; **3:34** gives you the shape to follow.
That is **7:35**
